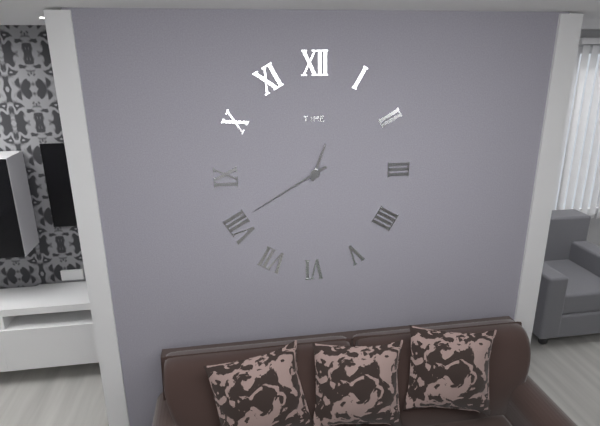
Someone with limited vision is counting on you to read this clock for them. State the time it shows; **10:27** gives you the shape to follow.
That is **12:40**
